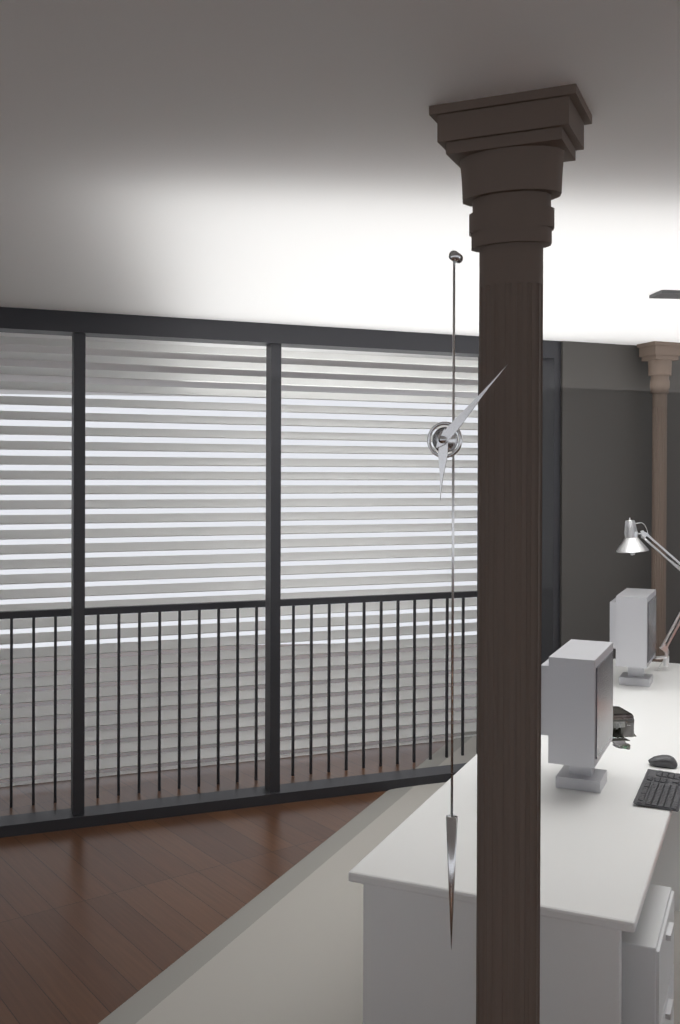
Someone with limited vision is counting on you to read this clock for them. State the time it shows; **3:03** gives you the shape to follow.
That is **6:07**
